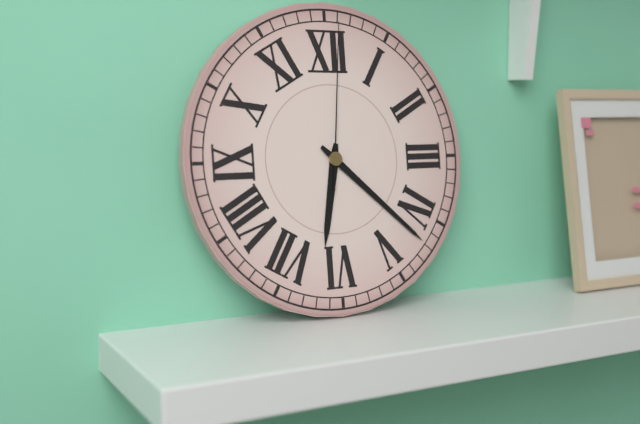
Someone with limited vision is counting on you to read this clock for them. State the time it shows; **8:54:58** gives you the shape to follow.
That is **6:22:01**
